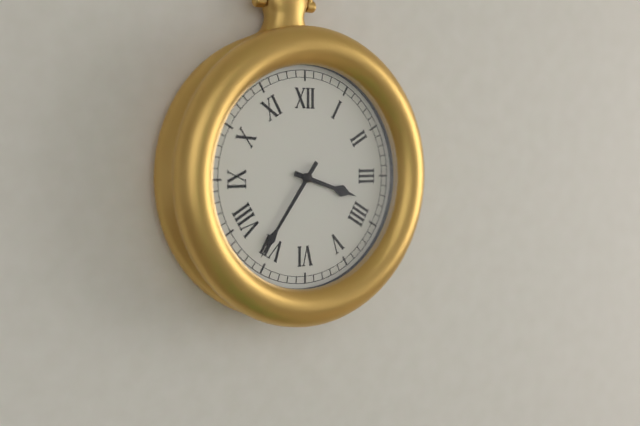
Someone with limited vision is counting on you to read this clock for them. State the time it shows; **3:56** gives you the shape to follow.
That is **3:36**
